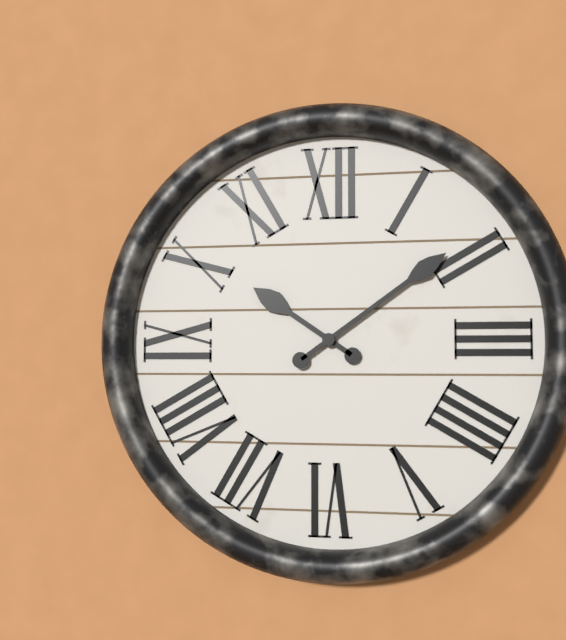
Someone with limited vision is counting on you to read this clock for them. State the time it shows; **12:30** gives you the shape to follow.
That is **10:09**
